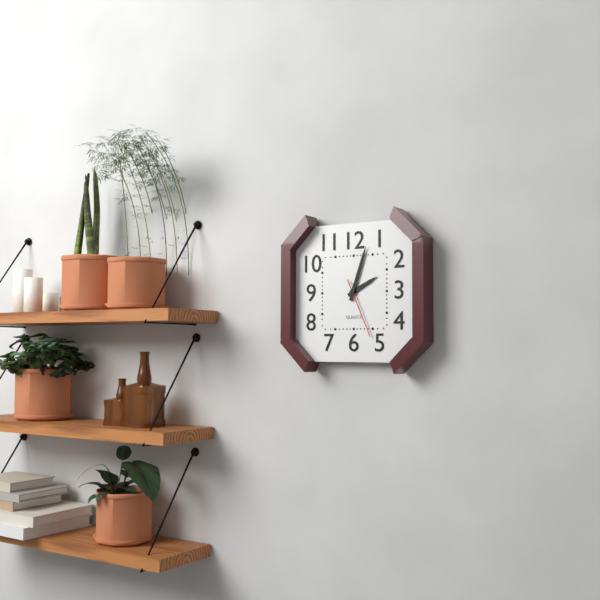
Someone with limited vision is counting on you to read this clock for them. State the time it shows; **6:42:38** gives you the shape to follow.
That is **2:03:26**
